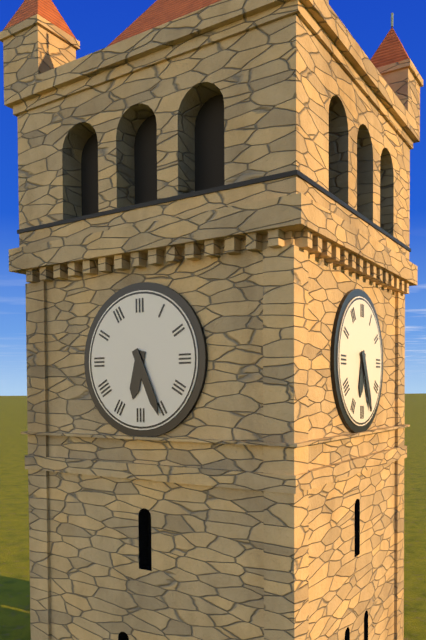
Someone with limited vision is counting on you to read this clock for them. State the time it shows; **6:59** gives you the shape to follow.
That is **6:26**
